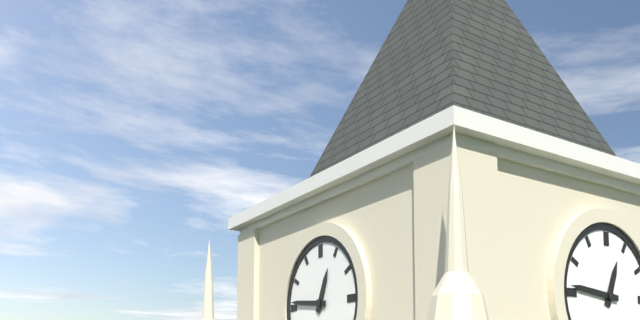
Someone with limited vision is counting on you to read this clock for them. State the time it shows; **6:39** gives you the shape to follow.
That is **12:46**
